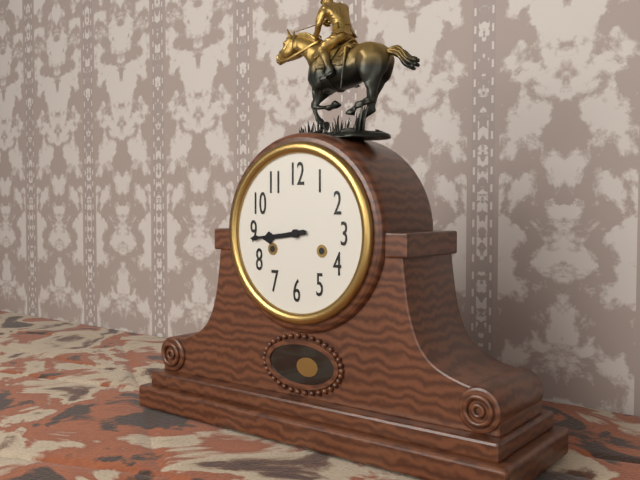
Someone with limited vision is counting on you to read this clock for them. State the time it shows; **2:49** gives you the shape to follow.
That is **8:44**
